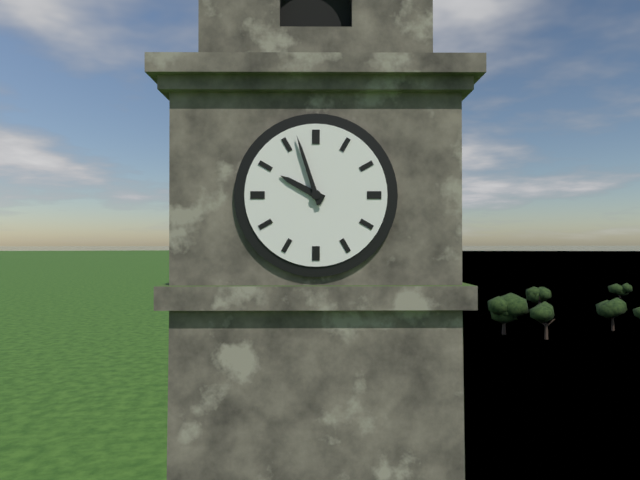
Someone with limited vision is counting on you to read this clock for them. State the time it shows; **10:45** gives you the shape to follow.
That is **9:57**
